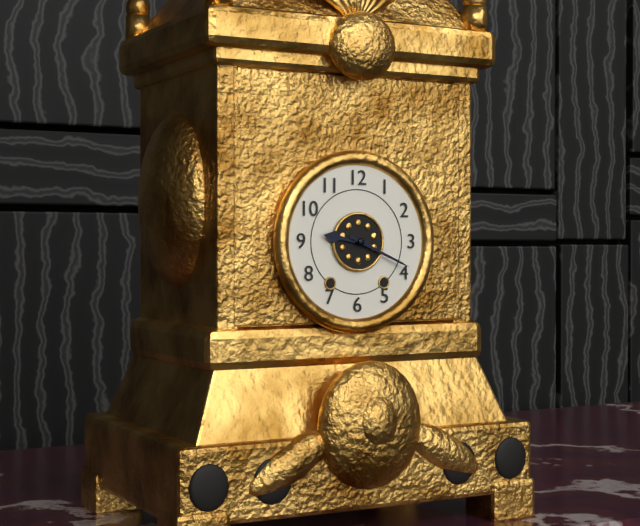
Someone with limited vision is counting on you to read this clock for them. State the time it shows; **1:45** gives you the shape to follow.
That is **9:19**
